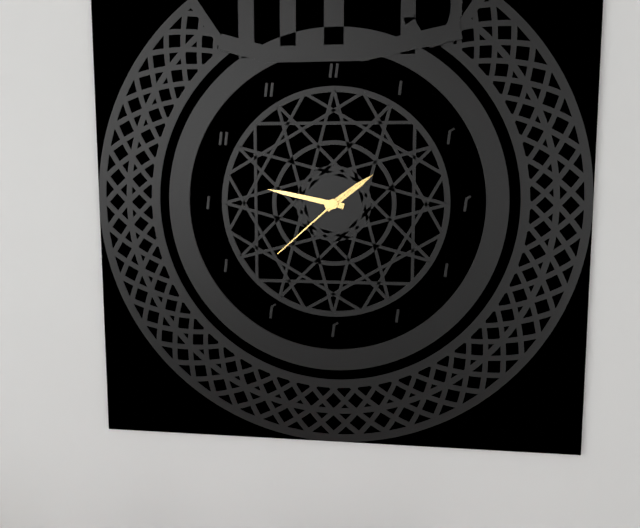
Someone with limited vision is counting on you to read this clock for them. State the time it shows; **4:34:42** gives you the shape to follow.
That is **1:47:38**
